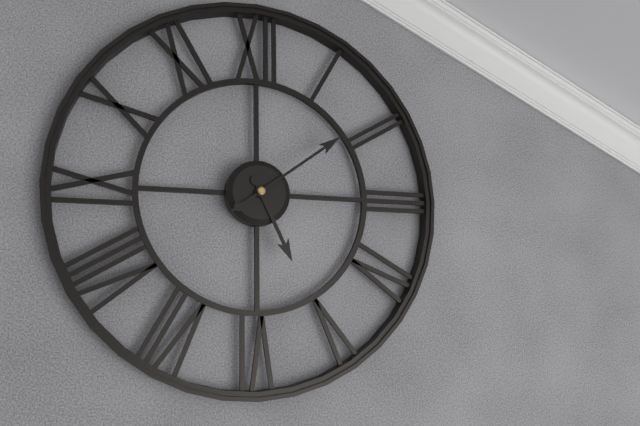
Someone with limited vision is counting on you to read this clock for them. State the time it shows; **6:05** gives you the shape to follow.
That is **5:09**
